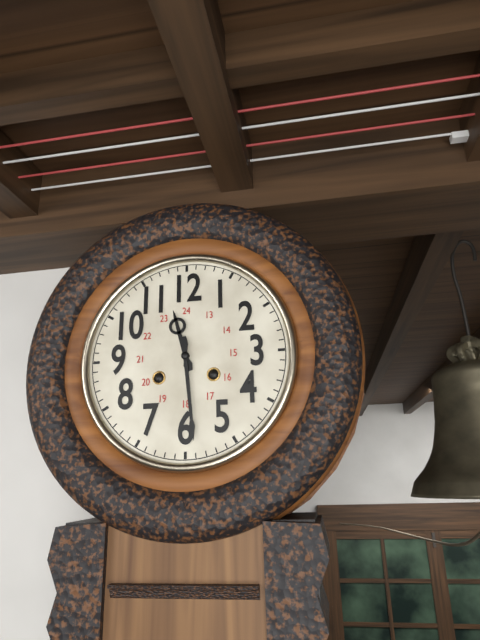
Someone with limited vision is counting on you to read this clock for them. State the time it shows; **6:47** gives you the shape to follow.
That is **11:29**
